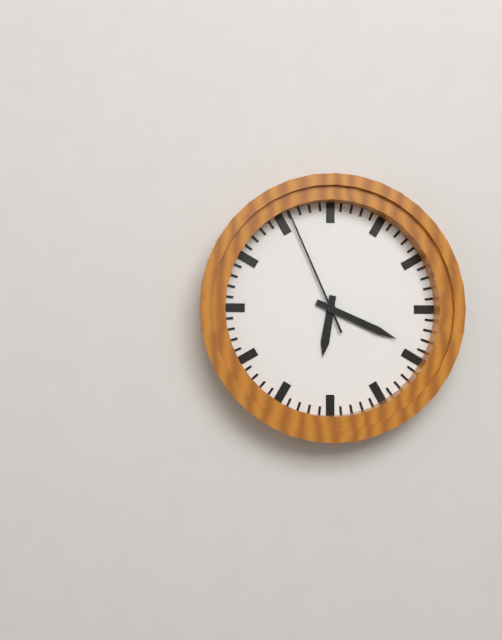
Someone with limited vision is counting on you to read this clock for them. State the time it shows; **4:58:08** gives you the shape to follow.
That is **6:19:56**
